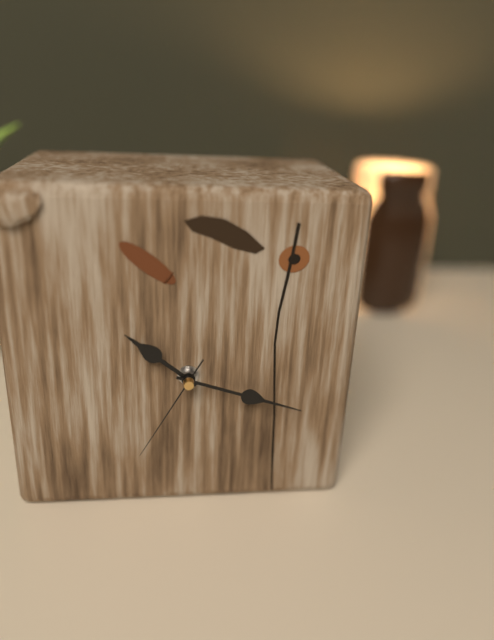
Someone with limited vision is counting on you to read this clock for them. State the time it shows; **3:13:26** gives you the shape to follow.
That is **10:18:35**
